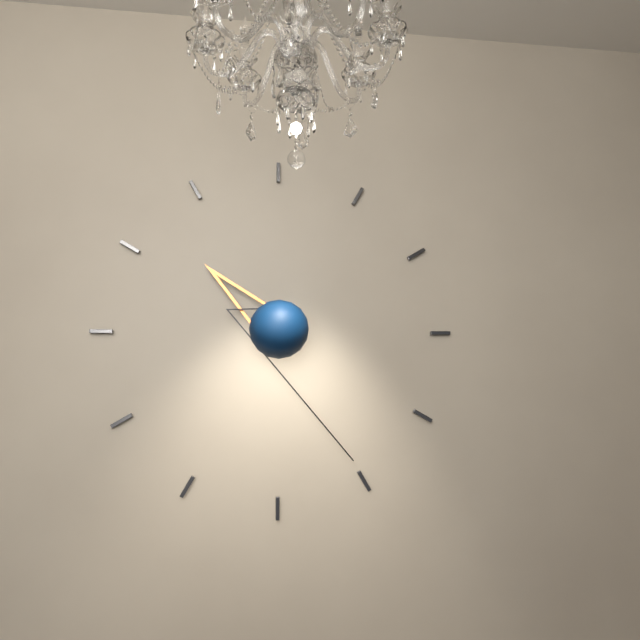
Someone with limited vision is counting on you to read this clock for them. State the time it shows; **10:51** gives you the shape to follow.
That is **10:25**
